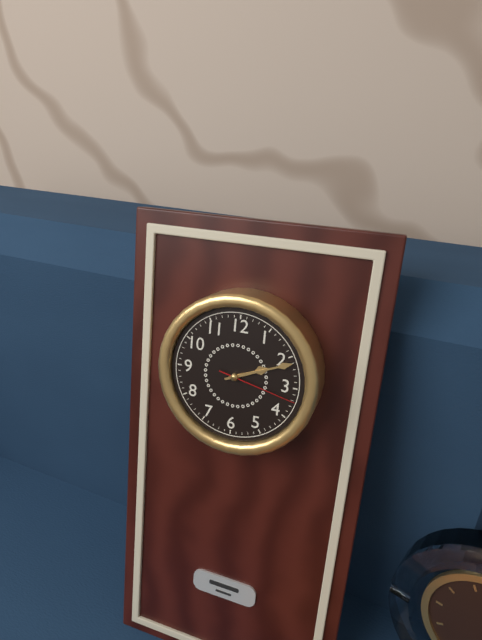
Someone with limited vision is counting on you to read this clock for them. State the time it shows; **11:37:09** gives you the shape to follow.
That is **2:11:17**
